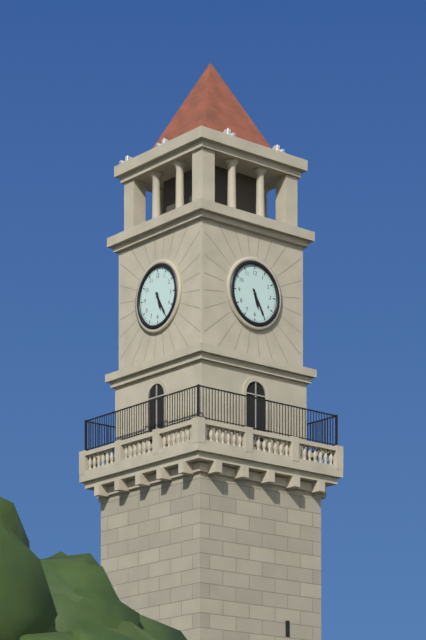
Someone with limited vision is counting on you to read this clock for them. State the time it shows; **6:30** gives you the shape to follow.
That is **5:25**
